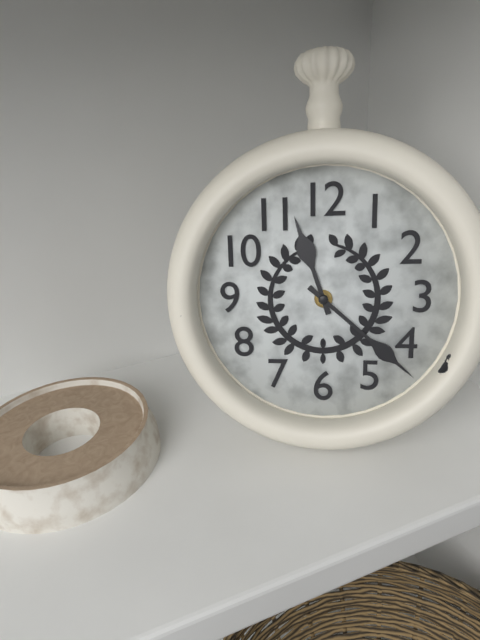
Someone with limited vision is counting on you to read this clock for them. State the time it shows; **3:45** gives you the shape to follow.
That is **11:22**
